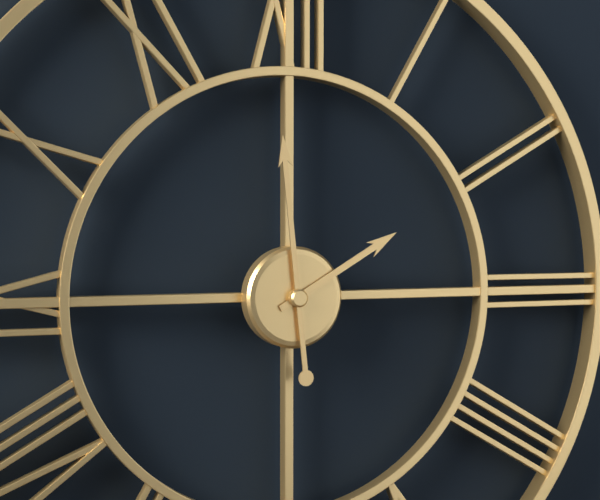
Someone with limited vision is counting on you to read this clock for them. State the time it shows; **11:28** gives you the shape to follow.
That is **1:59**
